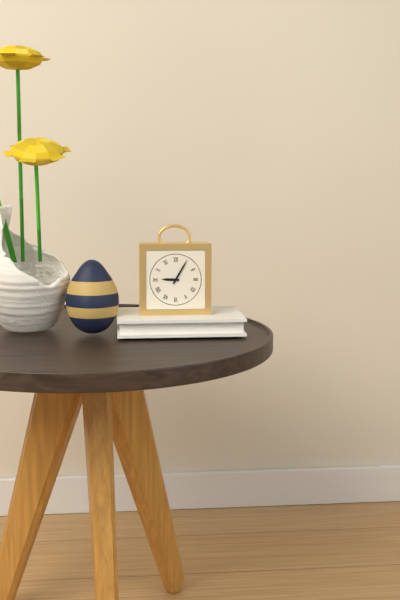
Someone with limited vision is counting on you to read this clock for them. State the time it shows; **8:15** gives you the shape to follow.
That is **9:05**
